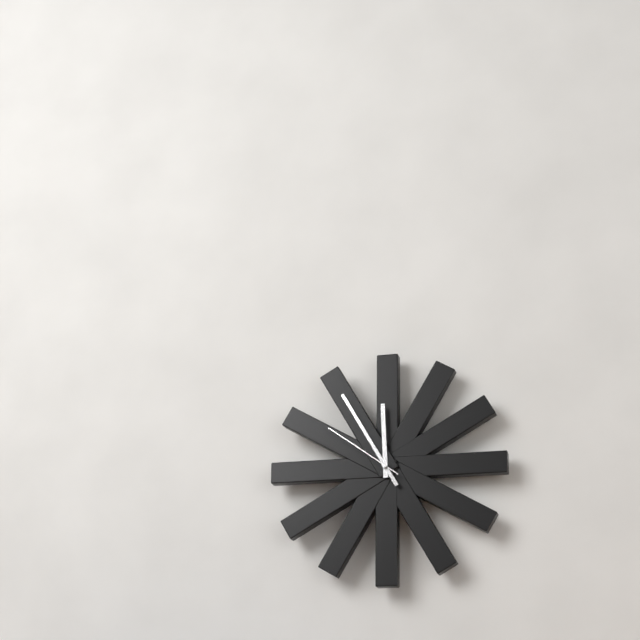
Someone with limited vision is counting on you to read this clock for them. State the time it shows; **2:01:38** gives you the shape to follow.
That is **11:55:51**
